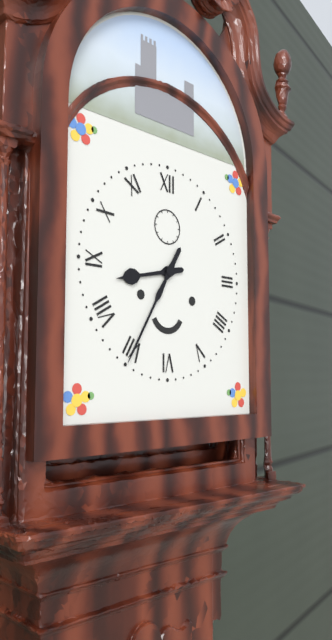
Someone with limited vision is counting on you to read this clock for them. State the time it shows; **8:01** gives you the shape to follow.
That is **8:35**
